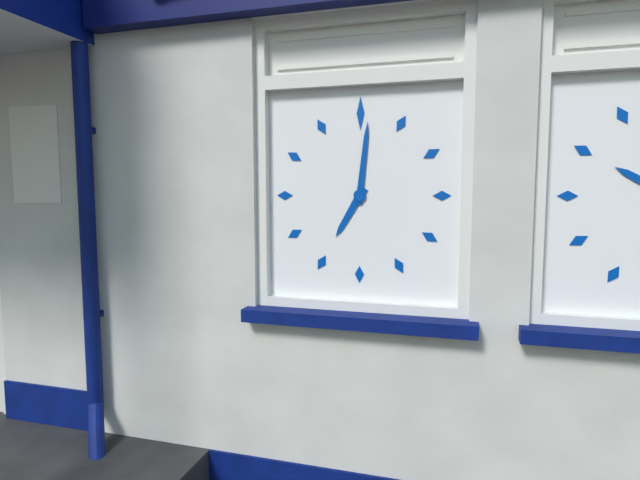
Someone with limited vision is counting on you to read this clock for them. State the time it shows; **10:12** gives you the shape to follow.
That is **7:01**
